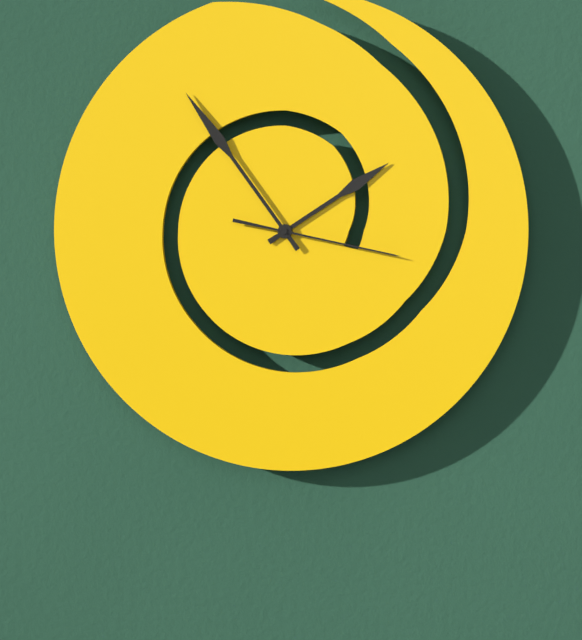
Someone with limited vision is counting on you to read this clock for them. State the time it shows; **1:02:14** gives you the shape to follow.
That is **1:54:17**
